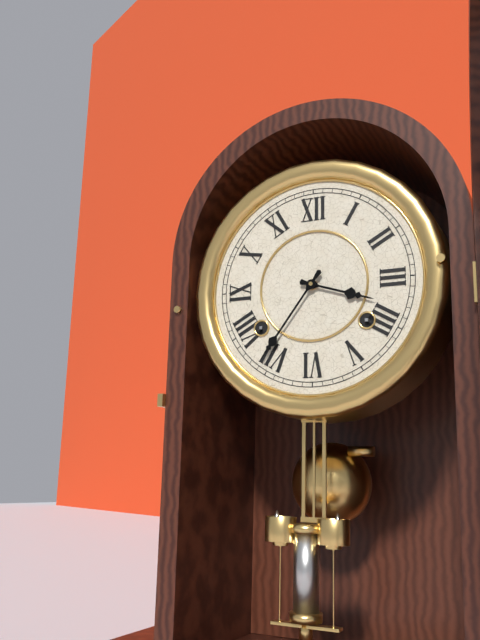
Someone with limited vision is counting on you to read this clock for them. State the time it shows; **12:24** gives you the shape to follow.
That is **3:36**
